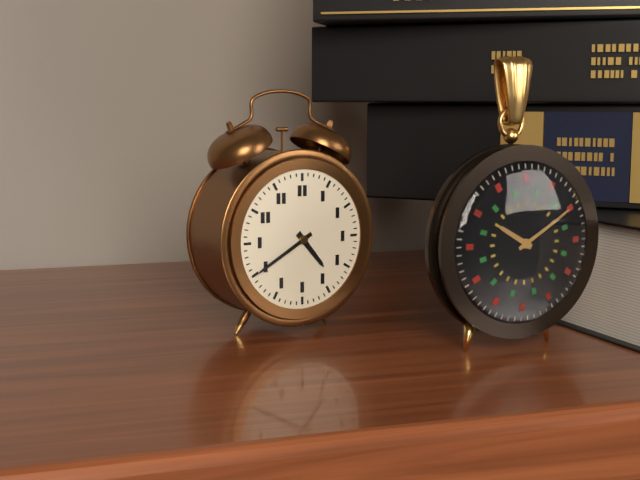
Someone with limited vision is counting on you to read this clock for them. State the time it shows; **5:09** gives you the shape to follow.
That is **4:40**
